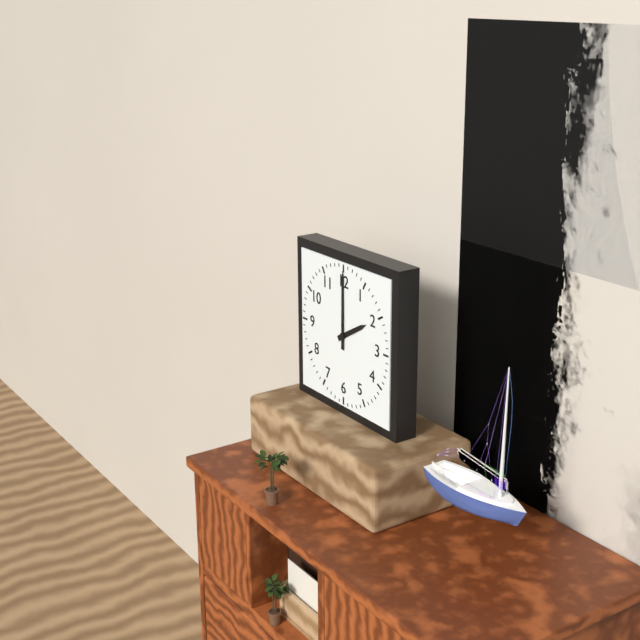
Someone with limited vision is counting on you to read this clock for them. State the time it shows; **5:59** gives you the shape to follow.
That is **2:00**
